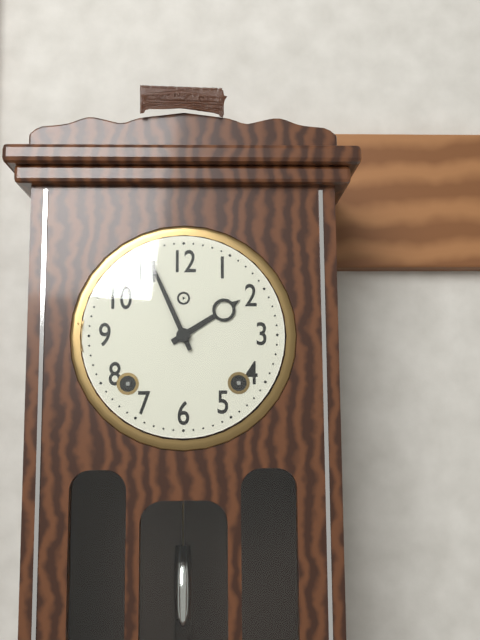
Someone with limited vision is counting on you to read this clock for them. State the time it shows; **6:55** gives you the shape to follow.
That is **1:56**
